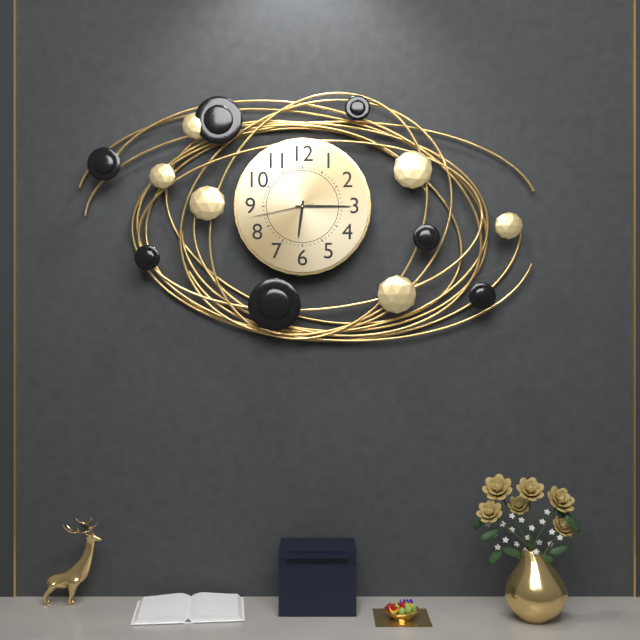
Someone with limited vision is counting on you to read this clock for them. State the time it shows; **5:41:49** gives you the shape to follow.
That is **6:15:43**
